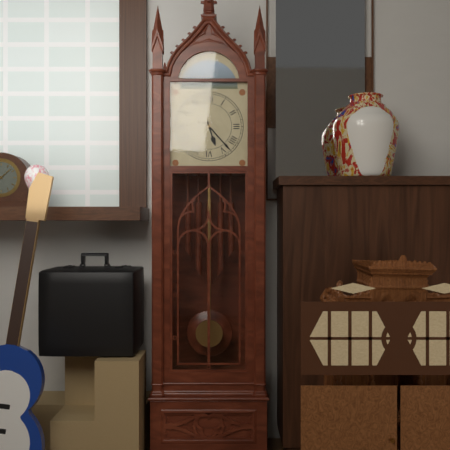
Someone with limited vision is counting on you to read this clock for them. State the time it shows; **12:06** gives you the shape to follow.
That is **5:23**
